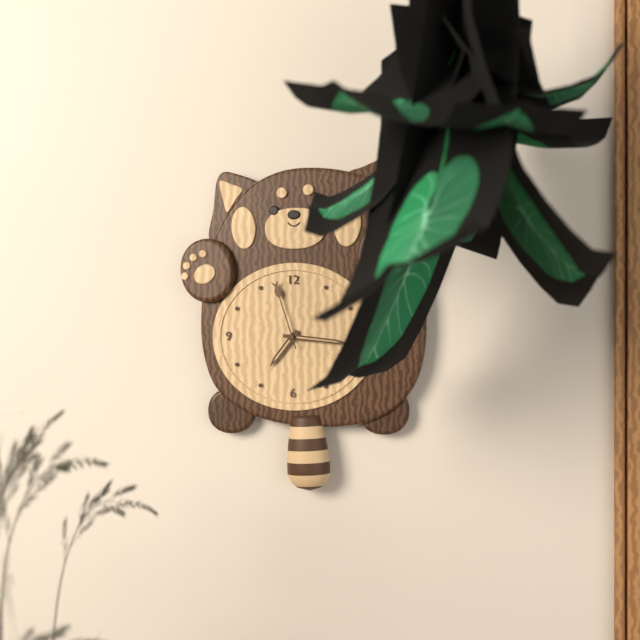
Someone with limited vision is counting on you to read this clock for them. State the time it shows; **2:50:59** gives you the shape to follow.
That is **7:16:57**
